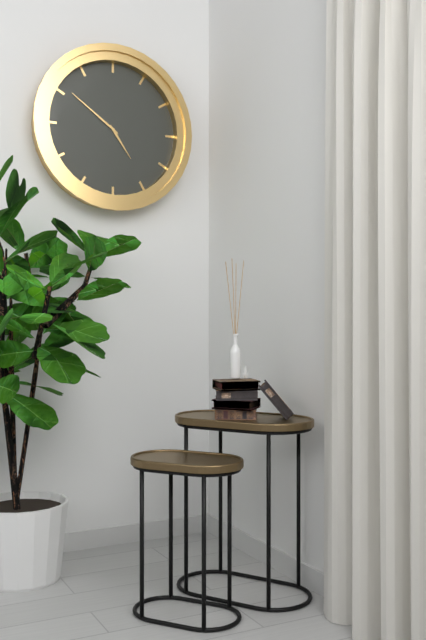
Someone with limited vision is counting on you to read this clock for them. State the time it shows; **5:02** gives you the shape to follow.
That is **4:51**
